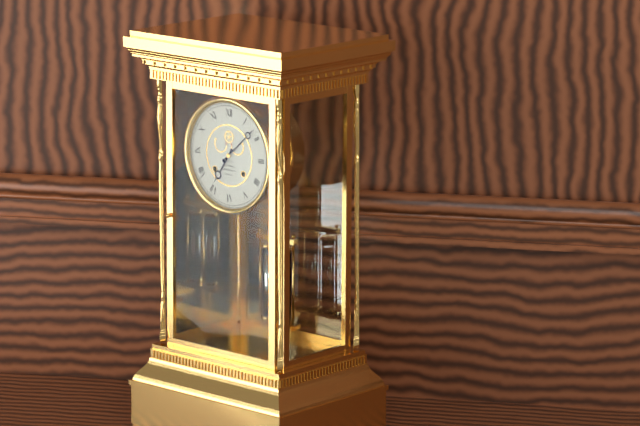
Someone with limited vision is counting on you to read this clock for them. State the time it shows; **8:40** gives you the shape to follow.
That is **7:08**
